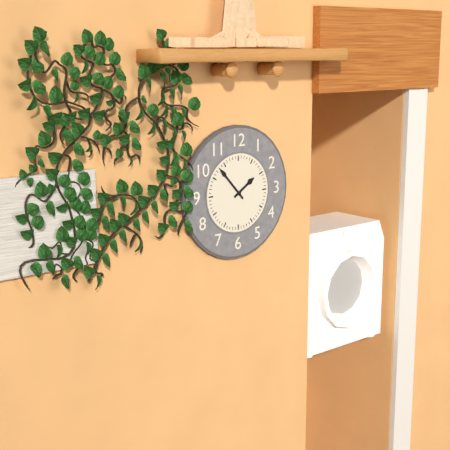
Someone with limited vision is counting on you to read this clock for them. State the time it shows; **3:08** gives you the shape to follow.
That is **1:53**
